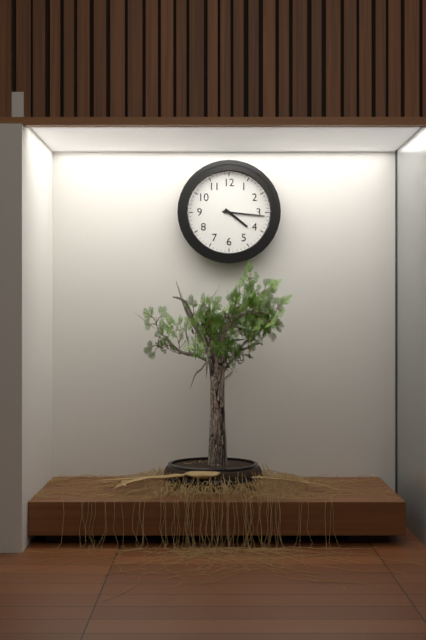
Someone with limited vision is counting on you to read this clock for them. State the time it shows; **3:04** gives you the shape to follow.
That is **4:16**
